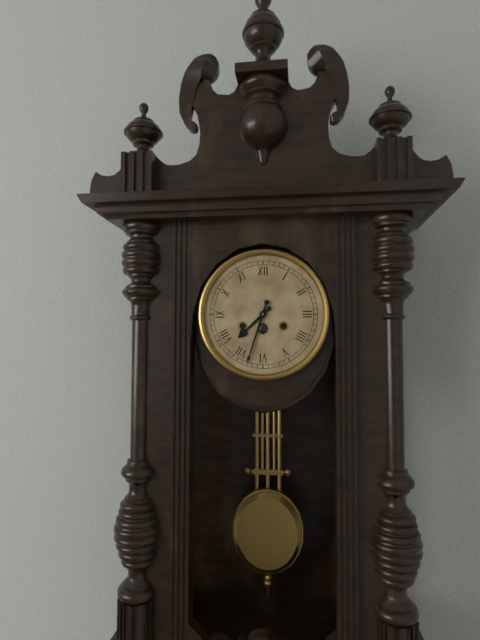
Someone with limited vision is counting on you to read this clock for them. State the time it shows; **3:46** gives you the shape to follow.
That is **7:33**
